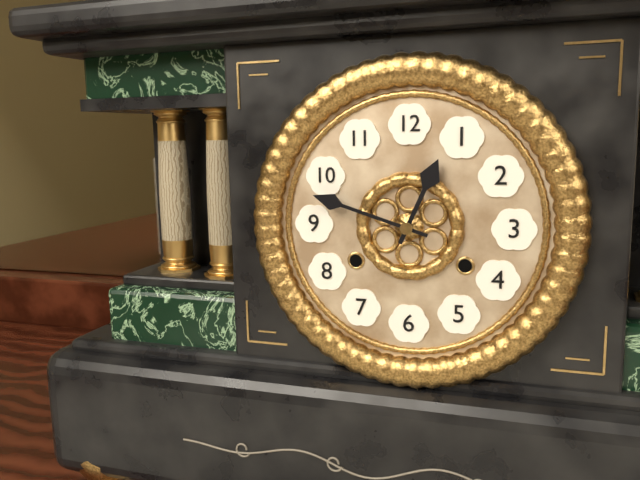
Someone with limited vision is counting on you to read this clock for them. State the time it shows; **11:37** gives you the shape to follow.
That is **12:48**
